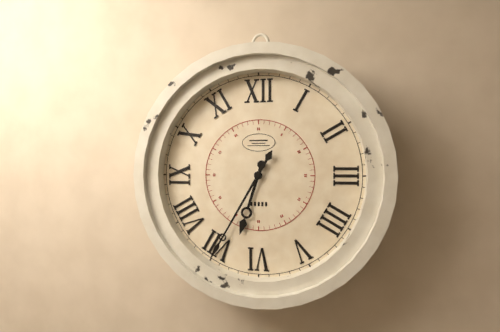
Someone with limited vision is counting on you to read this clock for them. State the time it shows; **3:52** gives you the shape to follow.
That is **6:35**
